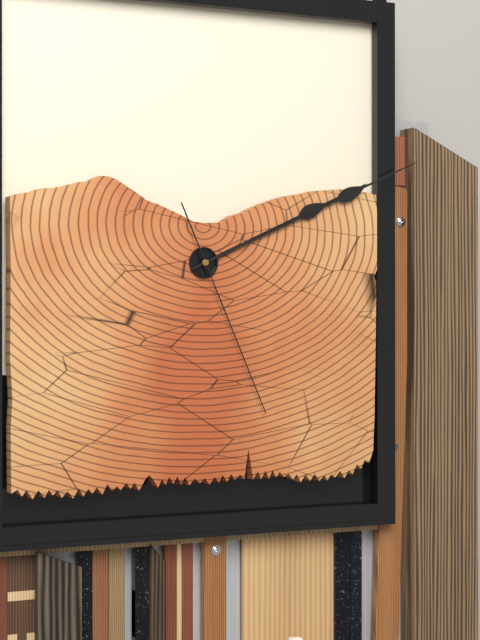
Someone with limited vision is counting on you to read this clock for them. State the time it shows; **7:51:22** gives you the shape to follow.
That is **2:11:26**
